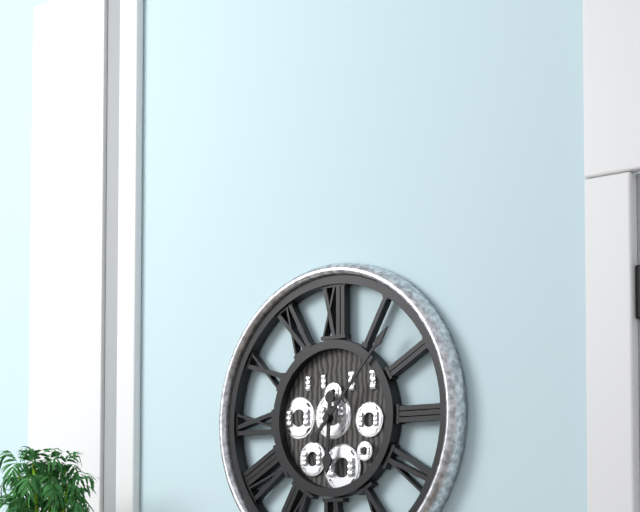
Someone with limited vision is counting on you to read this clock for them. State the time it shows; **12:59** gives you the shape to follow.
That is **6:07**
